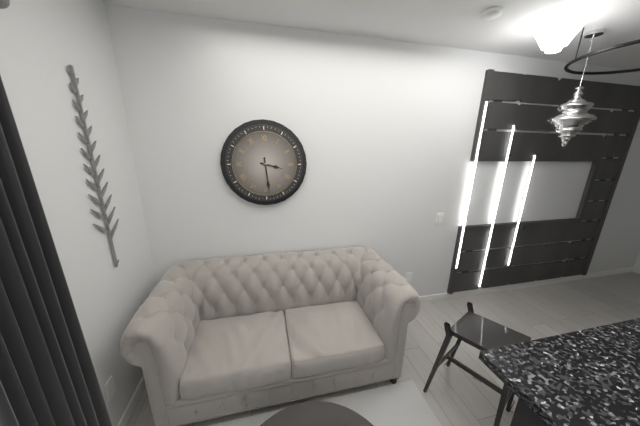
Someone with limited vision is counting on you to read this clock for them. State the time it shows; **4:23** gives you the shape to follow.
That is **3:29**
